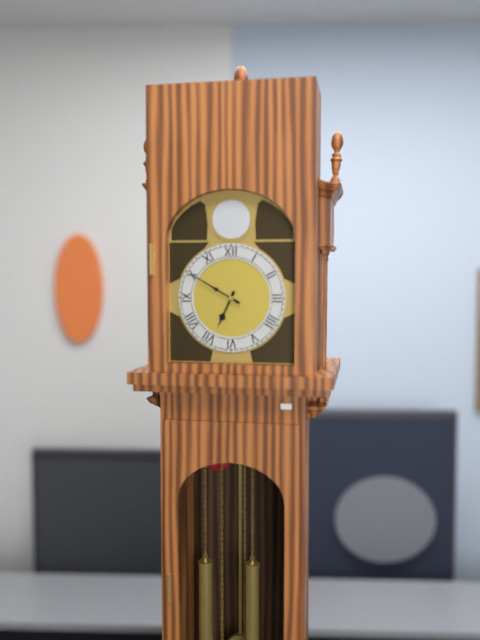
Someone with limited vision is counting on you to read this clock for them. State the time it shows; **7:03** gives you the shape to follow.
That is **6:50**
